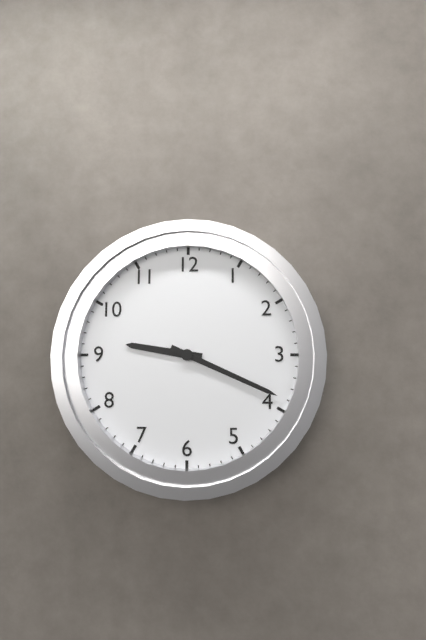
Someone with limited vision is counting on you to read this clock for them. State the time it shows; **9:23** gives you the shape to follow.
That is **9:19**
